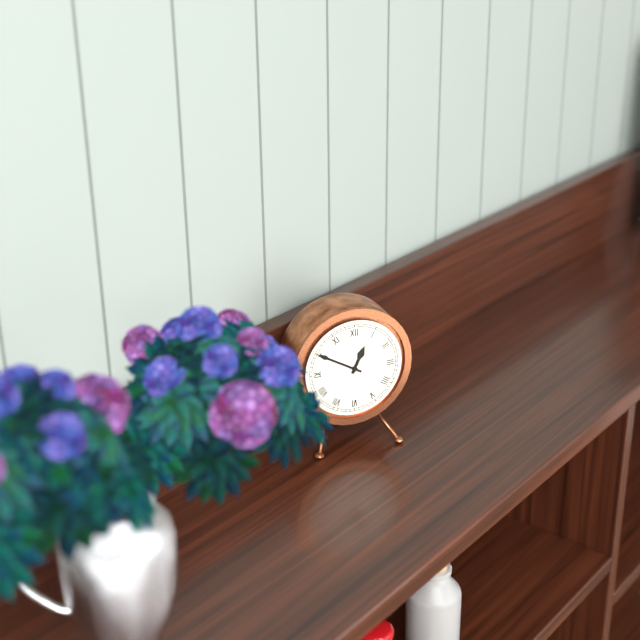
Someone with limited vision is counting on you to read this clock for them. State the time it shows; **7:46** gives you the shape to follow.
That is **12:50**
